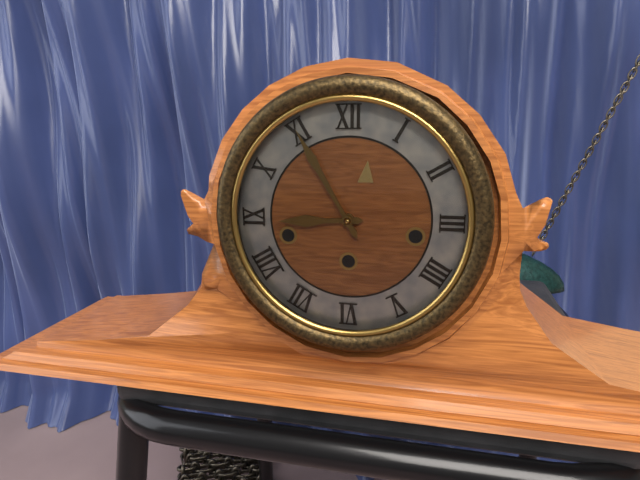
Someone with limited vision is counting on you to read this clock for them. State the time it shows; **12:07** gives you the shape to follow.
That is **8:55**
